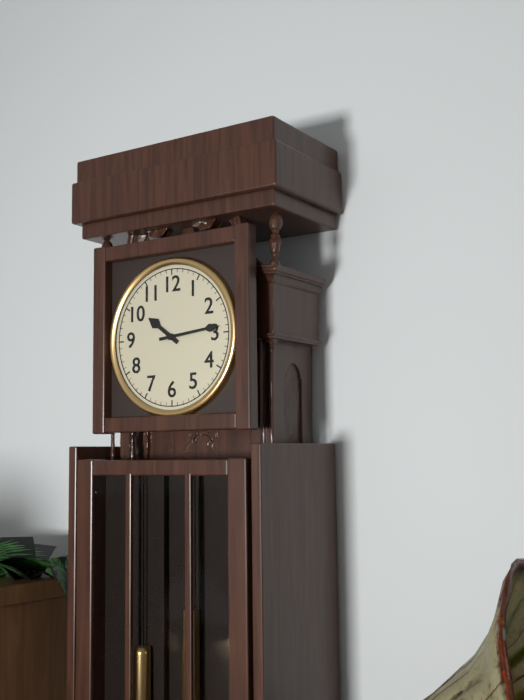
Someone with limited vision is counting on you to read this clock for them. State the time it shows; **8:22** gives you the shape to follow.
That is **10:14**
